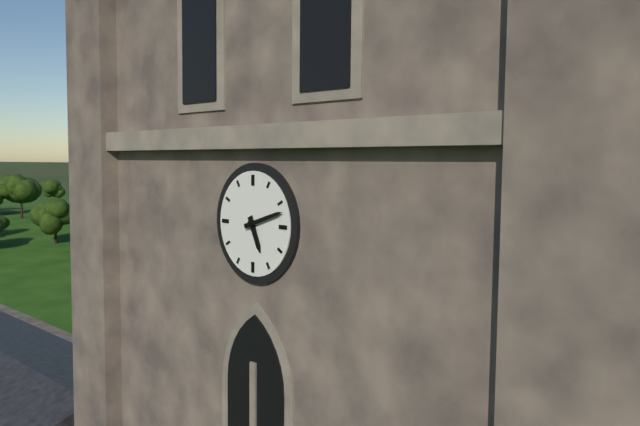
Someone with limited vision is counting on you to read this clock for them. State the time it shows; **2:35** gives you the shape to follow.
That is **5:12**
